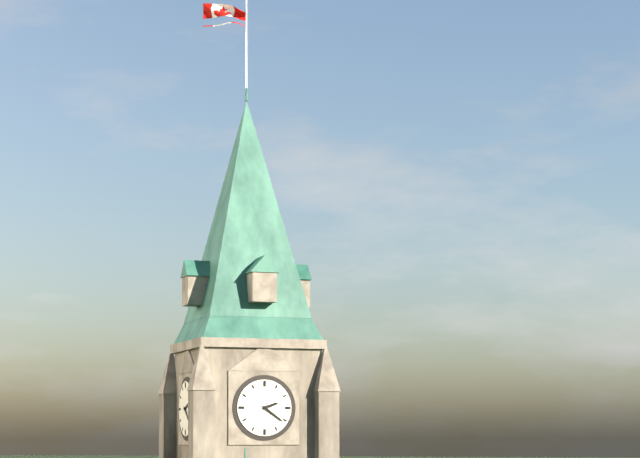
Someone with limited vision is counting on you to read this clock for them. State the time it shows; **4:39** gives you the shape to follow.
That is **2:21**
